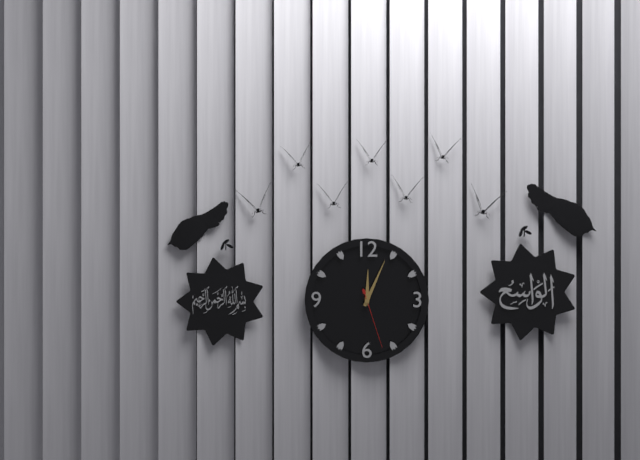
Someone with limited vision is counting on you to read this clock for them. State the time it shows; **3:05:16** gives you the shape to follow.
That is **12:04:27**
